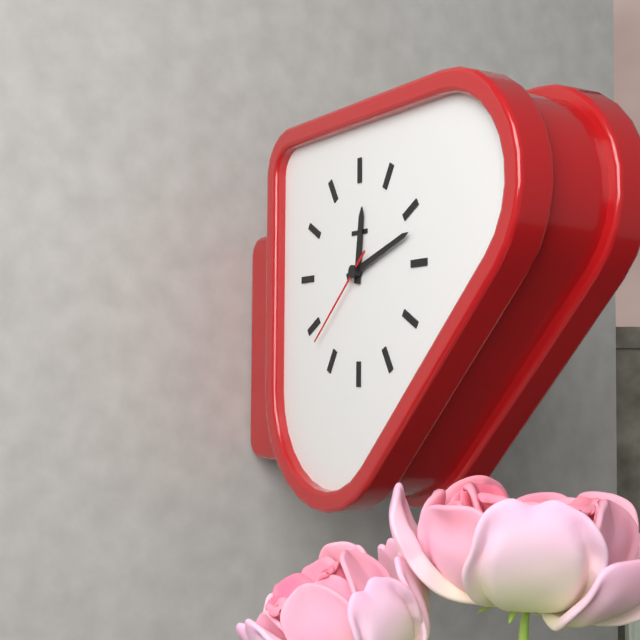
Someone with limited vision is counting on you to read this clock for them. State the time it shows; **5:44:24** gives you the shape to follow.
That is **12:12:38**
